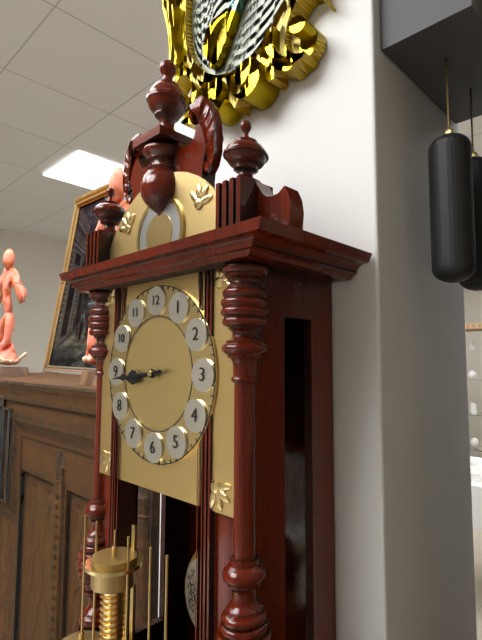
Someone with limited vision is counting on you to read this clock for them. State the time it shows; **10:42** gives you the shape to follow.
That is **8:44**
